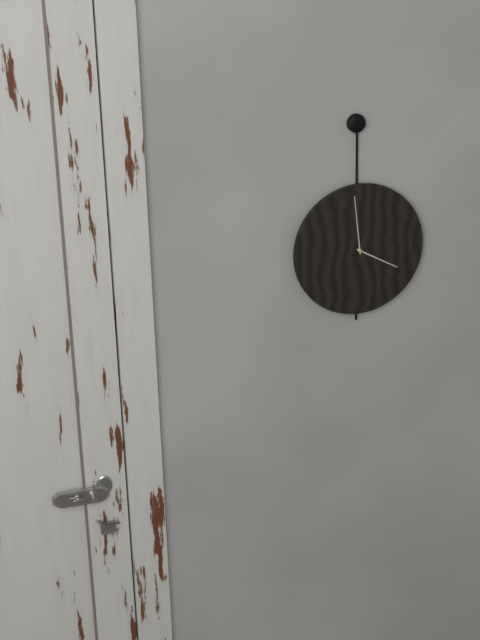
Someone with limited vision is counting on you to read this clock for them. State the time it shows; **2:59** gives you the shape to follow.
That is **3:59**
